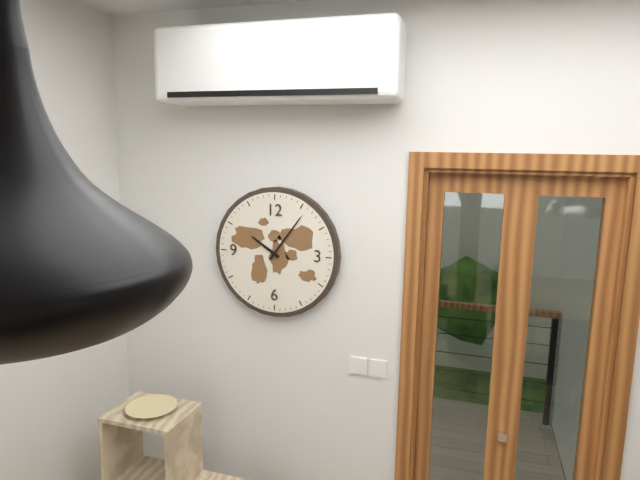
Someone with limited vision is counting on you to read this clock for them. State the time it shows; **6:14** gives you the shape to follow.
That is **10:06**
